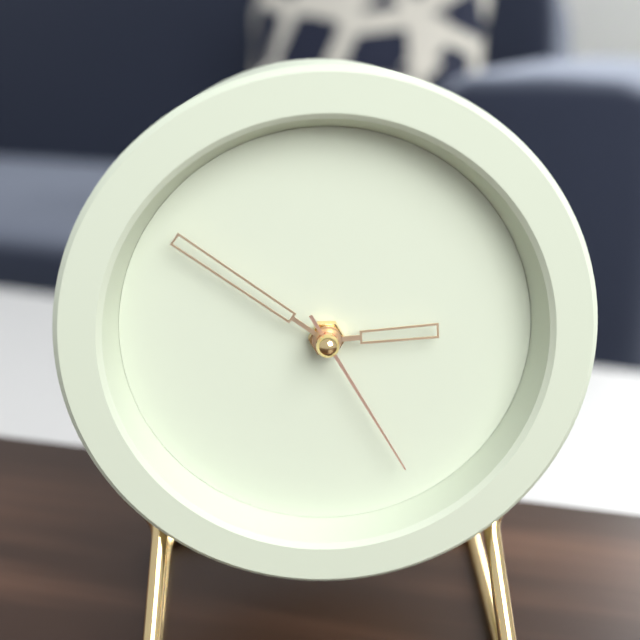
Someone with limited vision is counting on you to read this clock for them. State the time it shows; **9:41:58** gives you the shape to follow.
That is **2:51:25**
